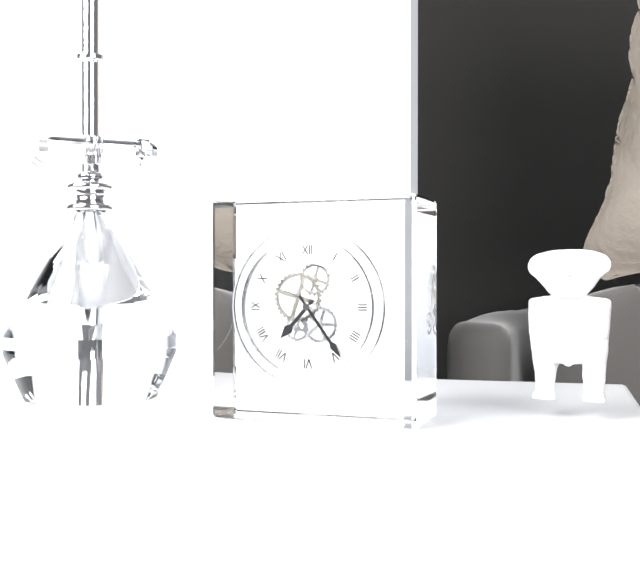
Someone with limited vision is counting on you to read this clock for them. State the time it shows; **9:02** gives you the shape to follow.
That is **7:24**
